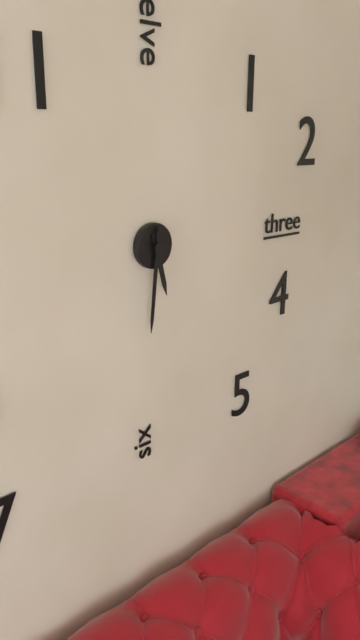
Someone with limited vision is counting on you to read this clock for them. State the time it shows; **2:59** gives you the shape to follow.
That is **5:31**
